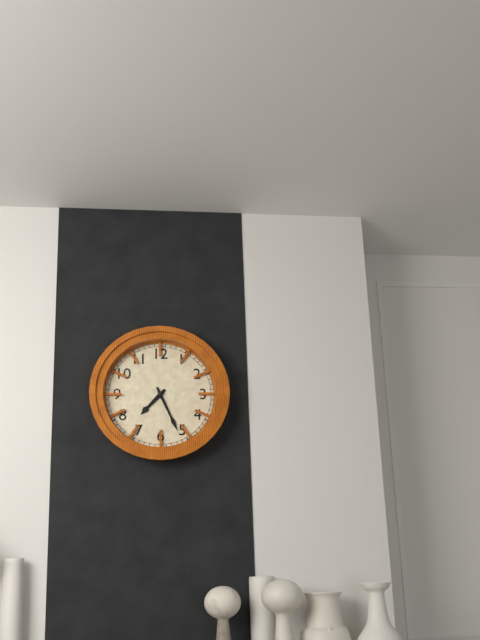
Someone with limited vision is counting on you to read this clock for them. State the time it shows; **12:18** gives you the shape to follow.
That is **7:26**
